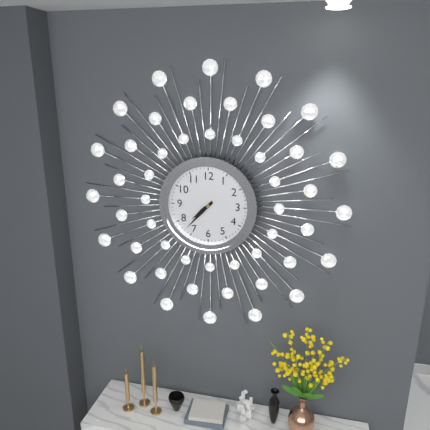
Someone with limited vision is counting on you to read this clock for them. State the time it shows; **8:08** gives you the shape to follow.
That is **7:37**
